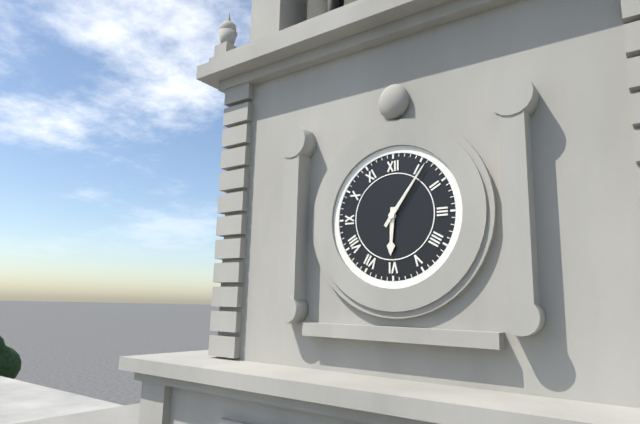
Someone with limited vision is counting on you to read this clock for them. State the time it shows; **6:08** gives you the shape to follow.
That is **6:06**
